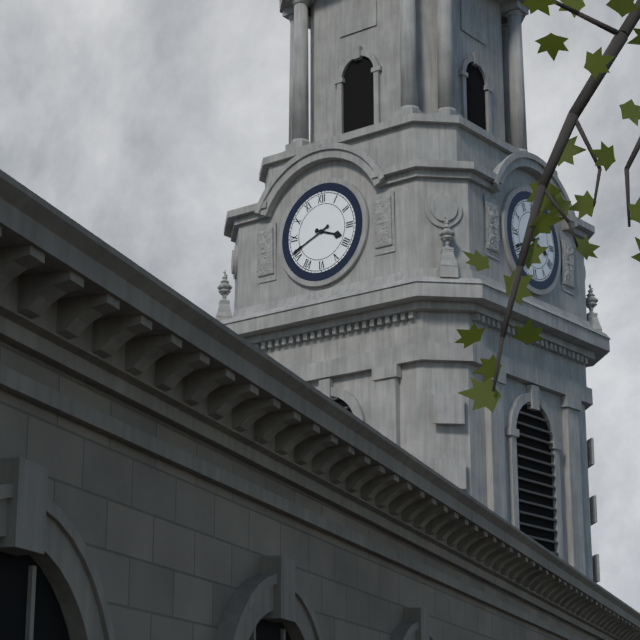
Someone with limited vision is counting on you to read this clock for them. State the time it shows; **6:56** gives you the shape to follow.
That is **3:41**
